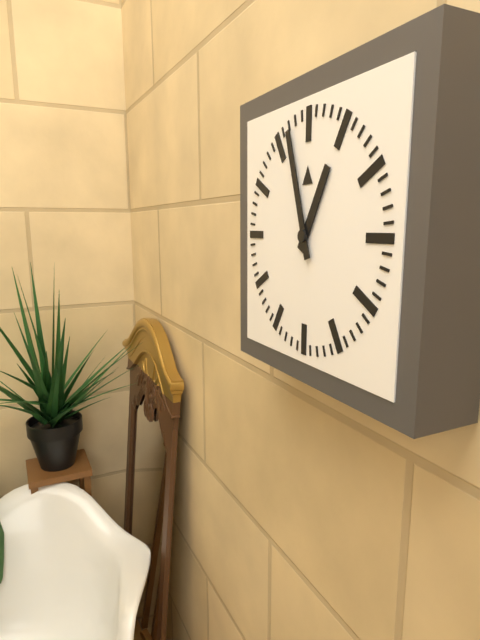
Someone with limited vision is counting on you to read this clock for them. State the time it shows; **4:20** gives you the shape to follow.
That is **12:57**
